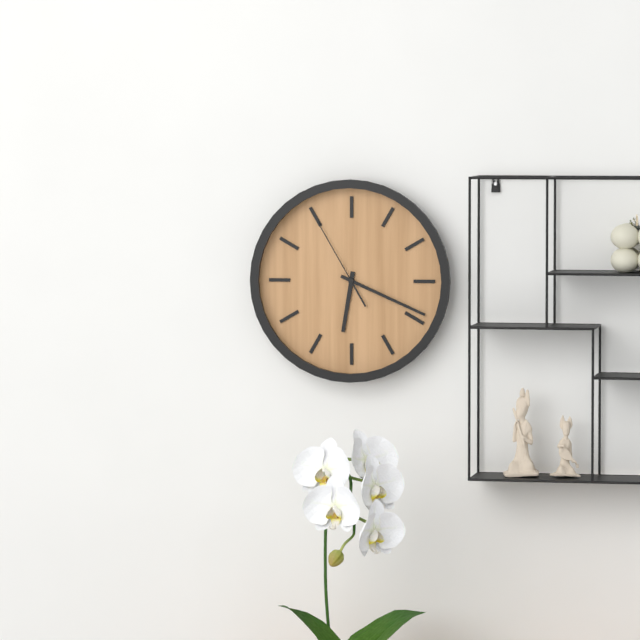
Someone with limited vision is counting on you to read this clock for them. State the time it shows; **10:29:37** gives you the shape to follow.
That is **6:19:55**
